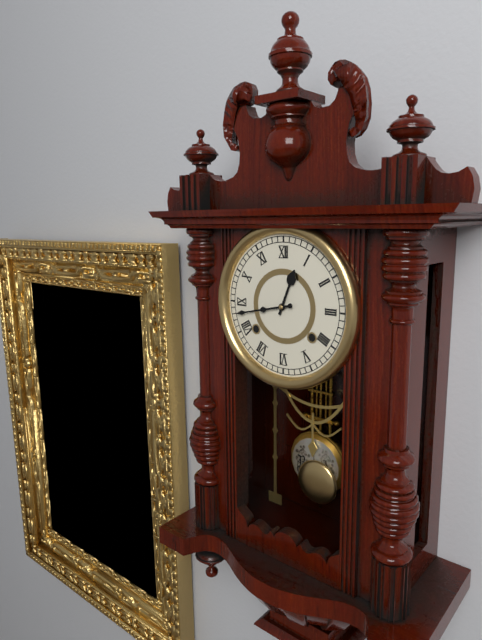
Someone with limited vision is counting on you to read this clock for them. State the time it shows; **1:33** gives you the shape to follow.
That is **12:43**
